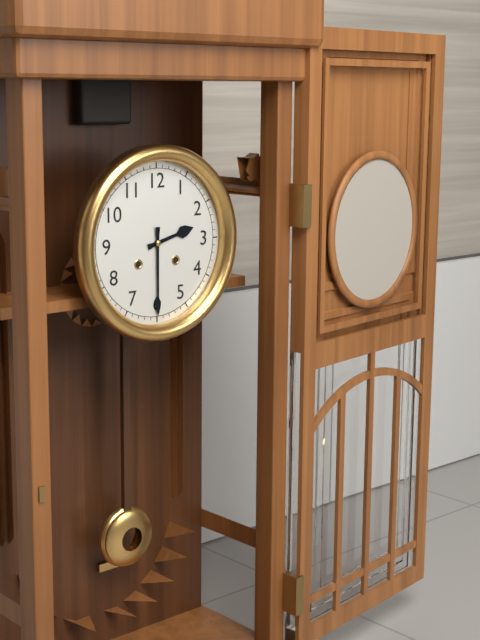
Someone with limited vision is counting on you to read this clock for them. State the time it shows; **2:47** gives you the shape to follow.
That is **2:30**
